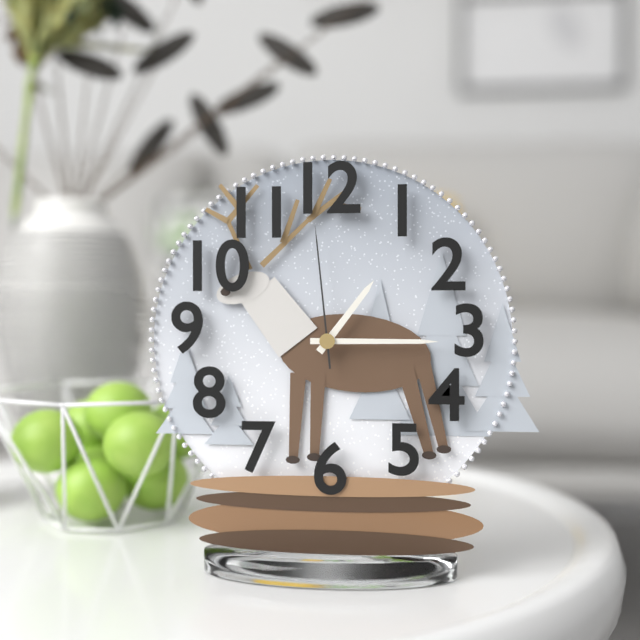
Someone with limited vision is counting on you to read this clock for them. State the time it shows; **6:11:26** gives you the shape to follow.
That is **1:15:59**
